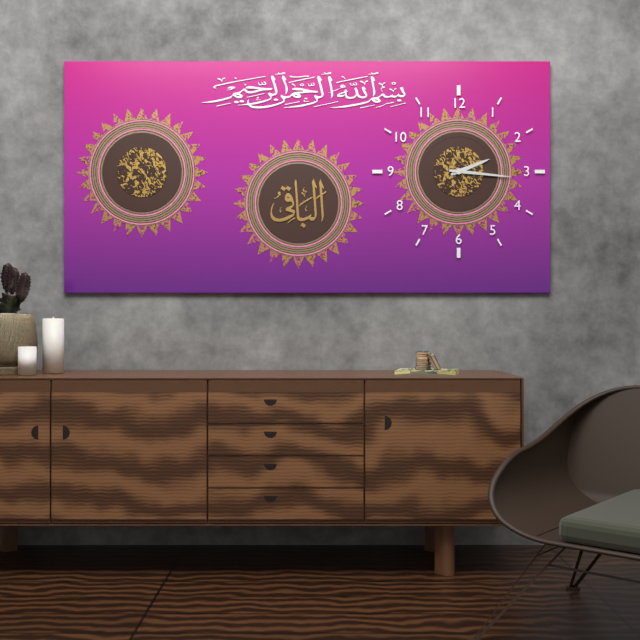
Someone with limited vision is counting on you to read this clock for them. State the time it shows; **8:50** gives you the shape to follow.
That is **2:16**
